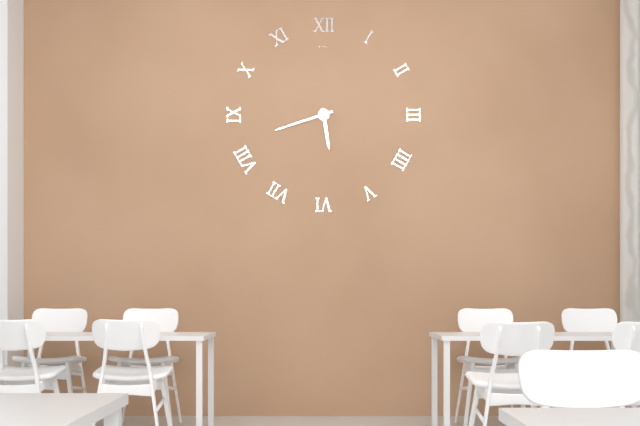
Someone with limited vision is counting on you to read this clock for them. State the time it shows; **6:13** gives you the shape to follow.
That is **5:42**
